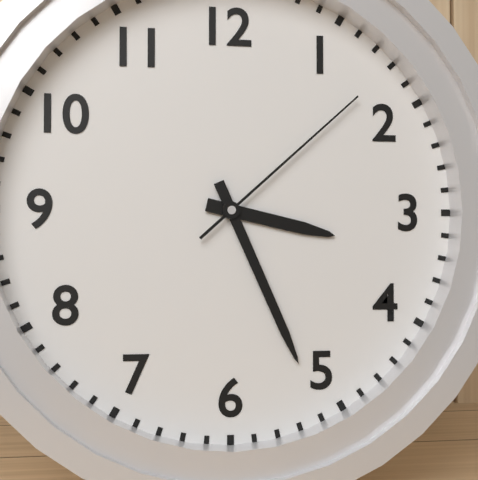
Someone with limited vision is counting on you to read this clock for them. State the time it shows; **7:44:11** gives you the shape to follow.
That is **3:26:08**
